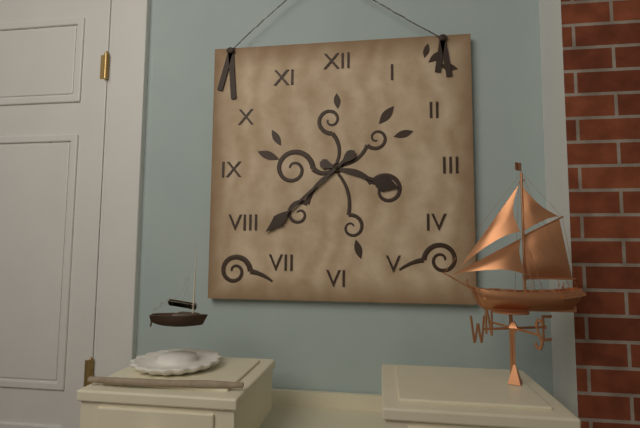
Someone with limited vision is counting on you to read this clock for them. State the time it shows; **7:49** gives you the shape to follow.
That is **3:38**
